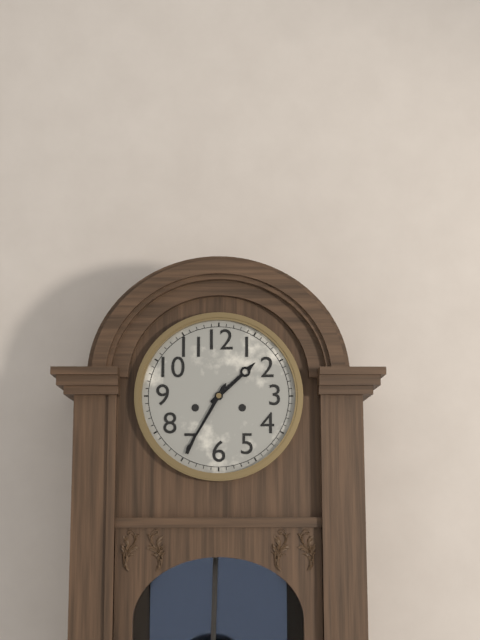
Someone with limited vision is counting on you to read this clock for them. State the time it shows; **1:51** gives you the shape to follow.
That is **1:35**
